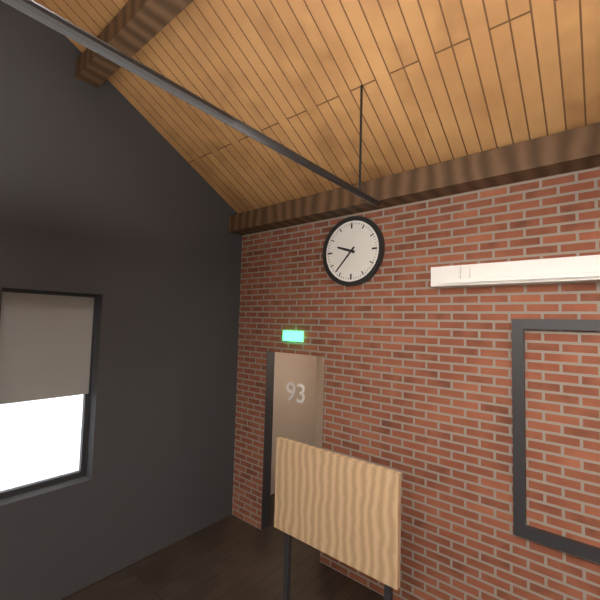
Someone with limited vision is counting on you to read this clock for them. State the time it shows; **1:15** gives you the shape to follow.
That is **9:37**
